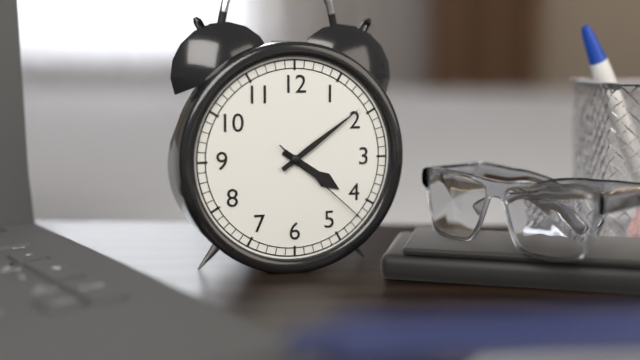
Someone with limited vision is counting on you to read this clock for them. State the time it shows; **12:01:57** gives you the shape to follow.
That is **4:09:22**
